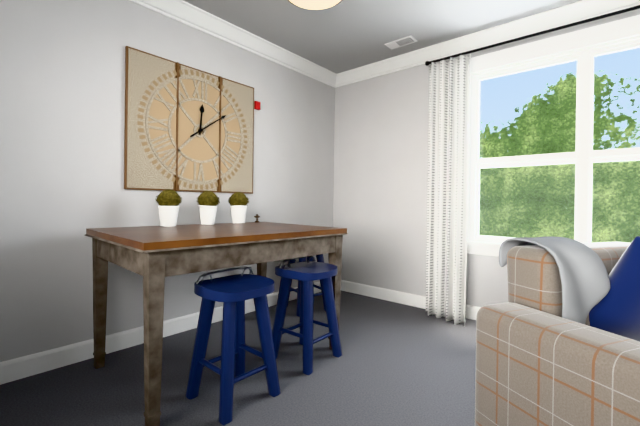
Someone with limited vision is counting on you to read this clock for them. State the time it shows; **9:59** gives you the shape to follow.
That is **12:09**
